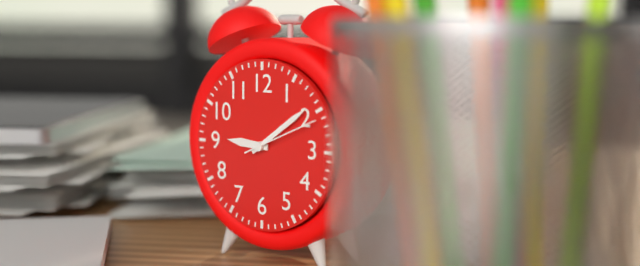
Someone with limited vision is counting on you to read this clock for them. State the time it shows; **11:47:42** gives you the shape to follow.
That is **9:09:11**
